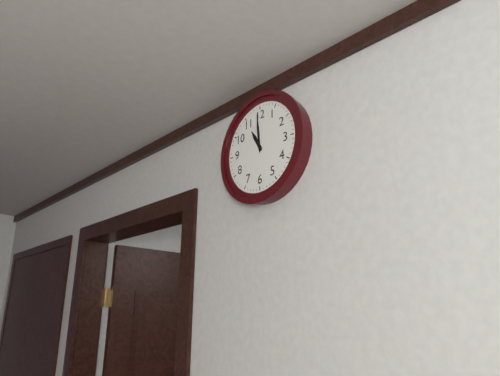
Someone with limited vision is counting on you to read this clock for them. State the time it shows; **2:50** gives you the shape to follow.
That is **10:59**
